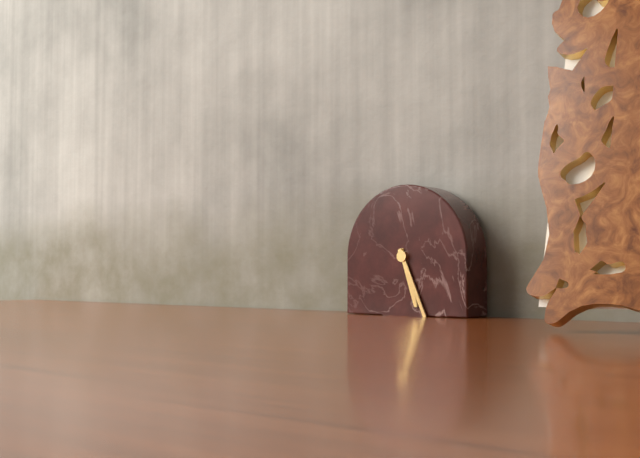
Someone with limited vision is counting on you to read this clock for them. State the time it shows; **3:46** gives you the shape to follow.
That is **5:26**
